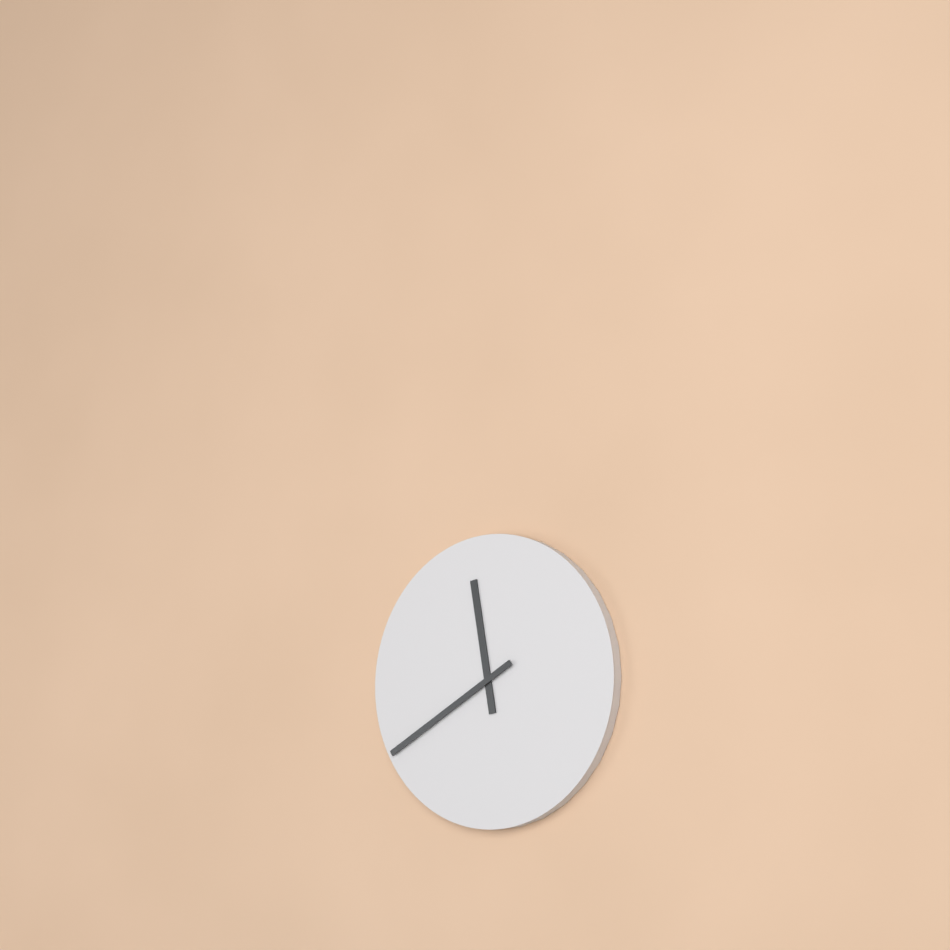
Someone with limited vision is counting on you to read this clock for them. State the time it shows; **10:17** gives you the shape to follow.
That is **11:40**
